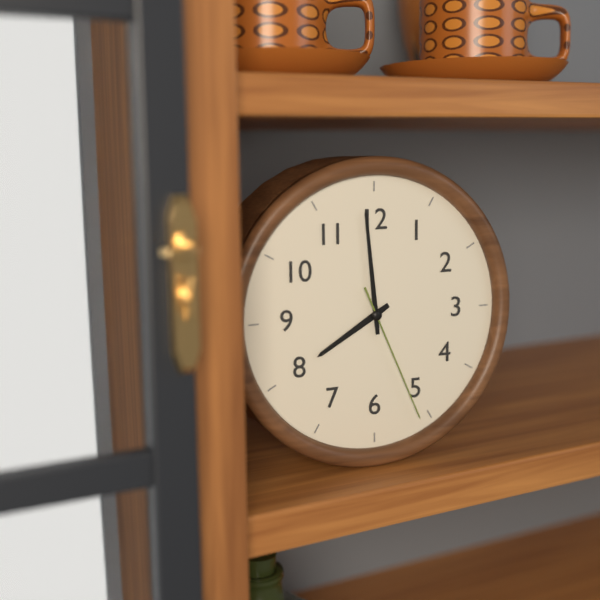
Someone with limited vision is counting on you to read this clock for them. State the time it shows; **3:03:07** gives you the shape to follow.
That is **7:59:26**
